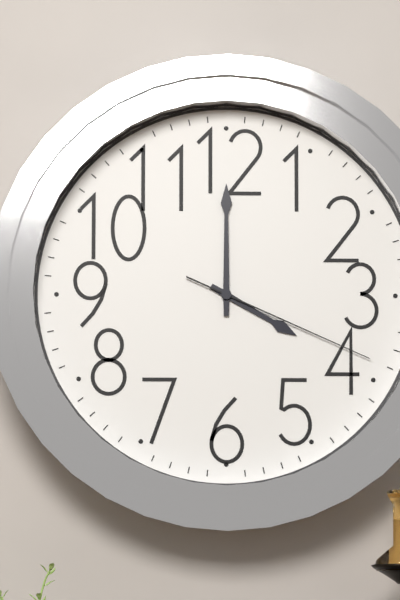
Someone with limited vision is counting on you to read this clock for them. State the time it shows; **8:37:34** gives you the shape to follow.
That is **4:00:19**
